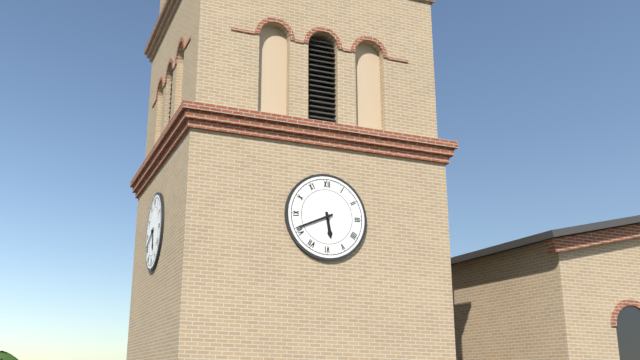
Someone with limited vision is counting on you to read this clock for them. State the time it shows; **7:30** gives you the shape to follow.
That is **5:41**
